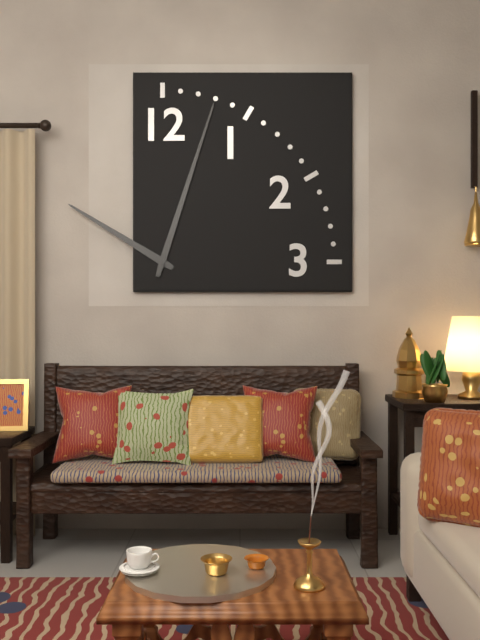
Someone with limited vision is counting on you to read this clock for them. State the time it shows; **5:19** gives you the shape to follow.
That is **10:03**
